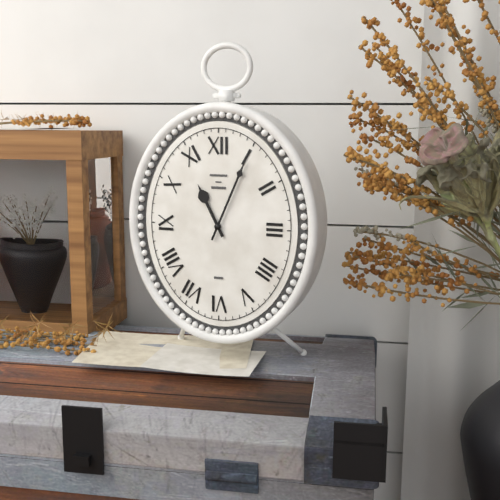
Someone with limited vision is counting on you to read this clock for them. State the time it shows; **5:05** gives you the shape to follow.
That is **11:04**
